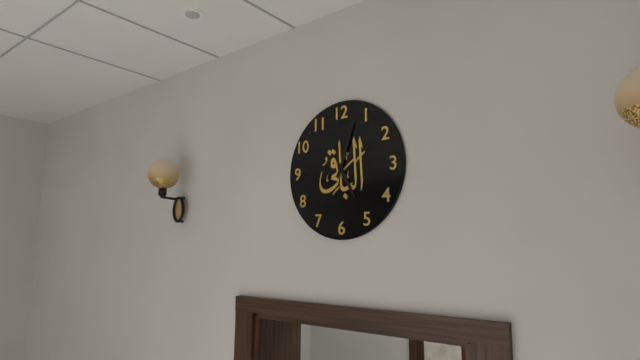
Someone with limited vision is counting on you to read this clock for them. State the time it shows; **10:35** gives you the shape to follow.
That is **5:03**
